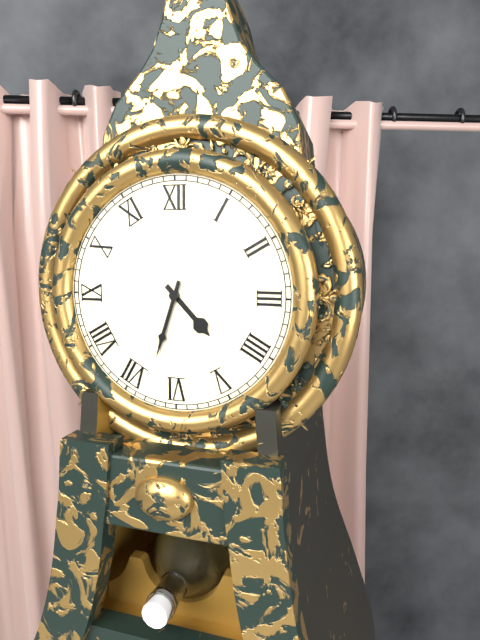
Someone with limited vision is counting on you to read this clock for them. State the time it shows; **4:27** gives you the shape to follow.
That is **4:33**
